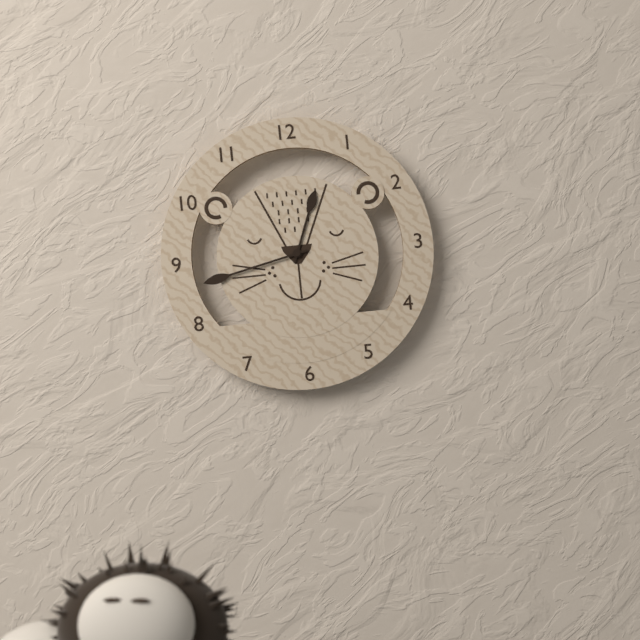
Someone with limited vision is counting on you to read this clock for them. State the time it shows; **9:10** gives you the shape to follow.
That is **12:43**
